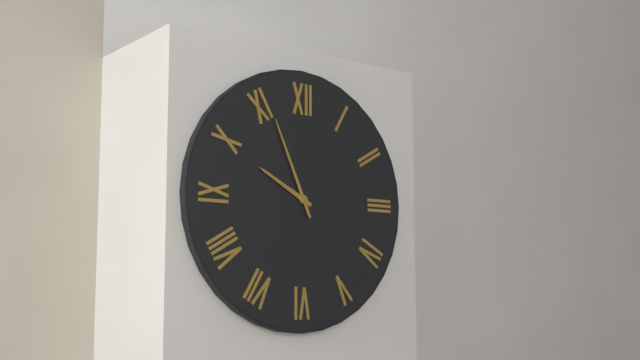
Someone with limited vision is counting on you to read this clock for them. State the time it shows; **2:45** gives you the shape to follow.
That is **9:56**
